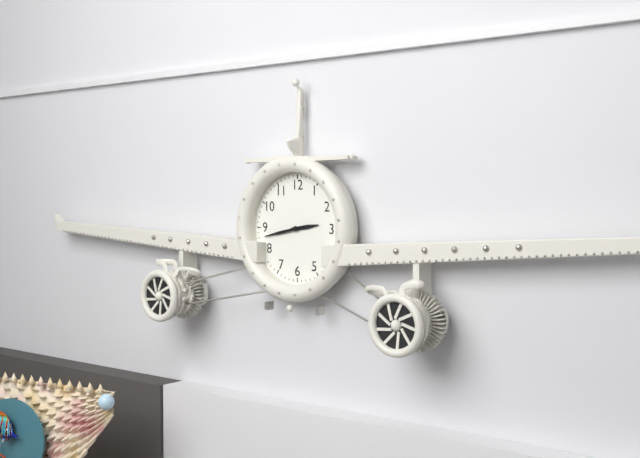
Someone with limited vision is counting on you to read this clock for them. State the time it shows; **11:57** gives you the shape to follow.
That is **2:43**
